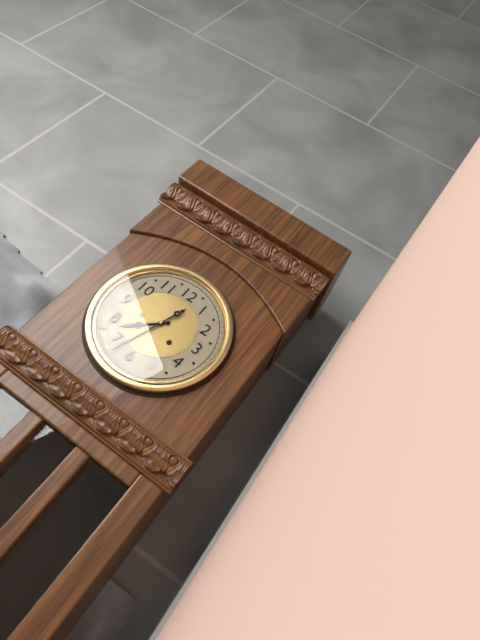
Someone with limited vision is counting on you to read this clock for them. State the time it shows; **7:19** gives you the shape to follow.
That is **7:33**
